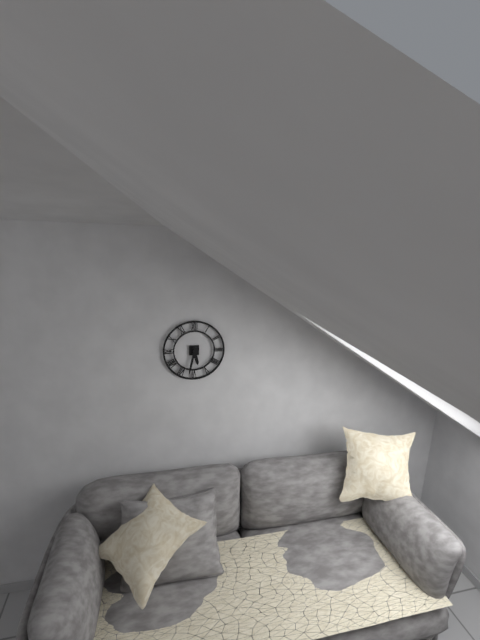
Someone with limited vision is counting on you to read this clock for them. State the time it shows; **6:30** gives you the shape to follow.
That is **5:32**
